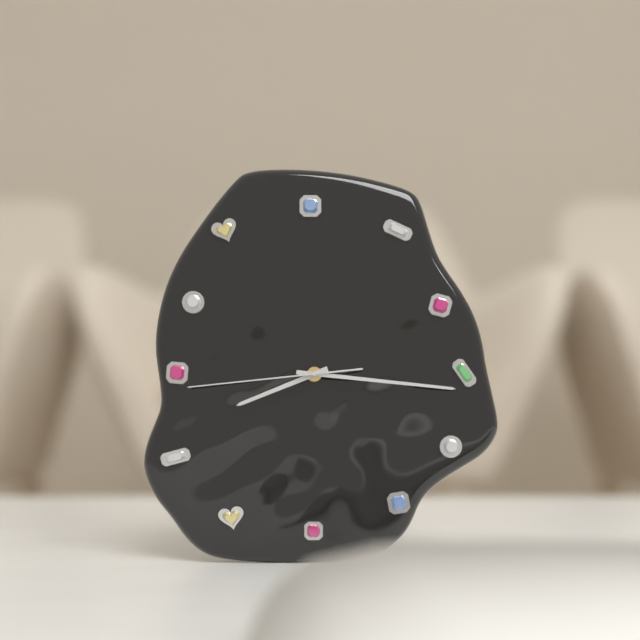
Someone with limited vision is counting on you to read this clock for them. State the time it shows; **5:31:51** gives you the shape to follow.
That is **8:16:44**
